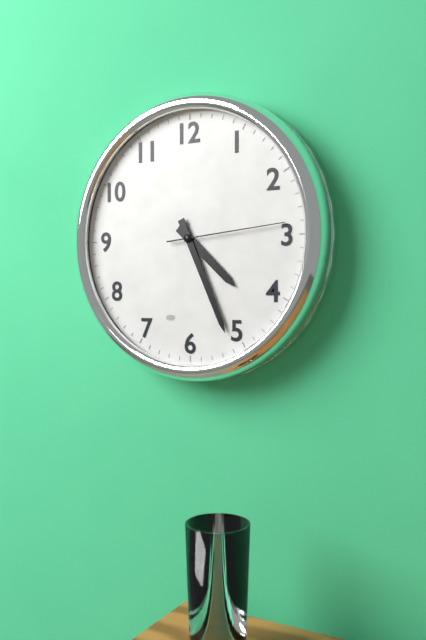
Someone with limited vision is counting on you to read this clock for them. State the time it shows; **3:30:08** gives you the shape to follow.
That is **4:26:14**
